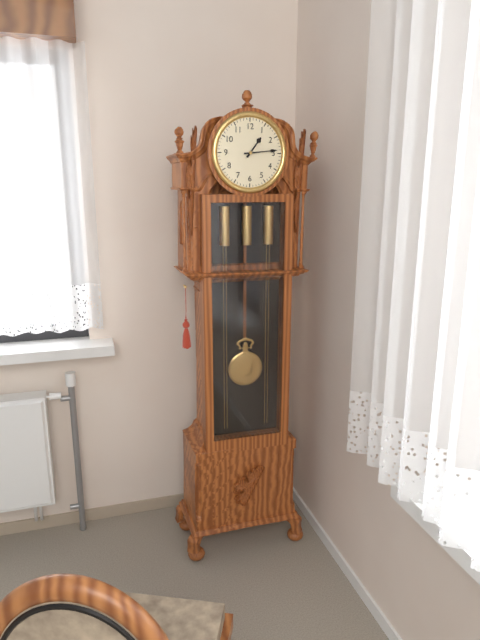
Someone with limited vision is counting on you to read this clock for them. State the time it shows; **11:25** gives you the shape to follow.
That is **1:14**
